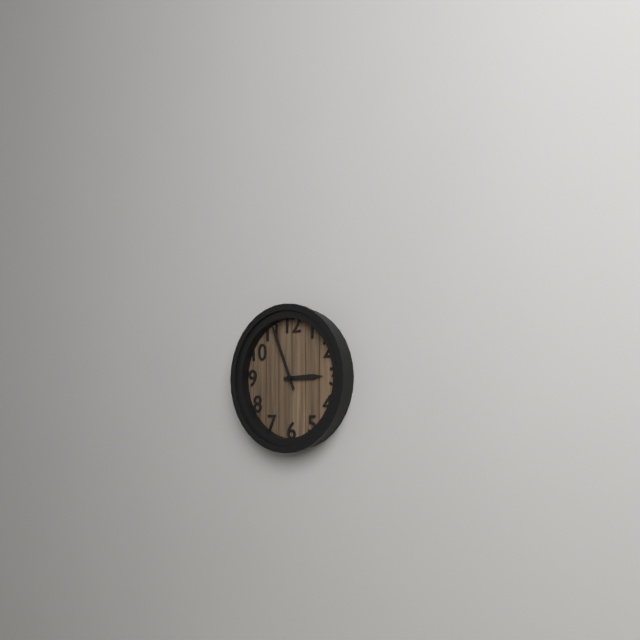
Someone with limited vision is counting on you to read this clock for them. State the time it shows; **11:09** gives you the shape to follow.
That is **2:56**
